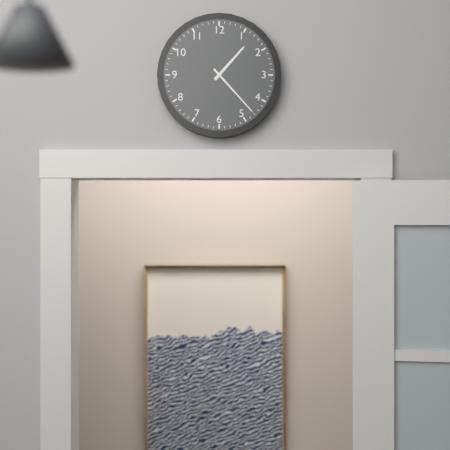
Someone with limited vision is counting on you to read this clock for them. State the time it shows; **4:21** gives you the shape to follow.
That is **1:23**
